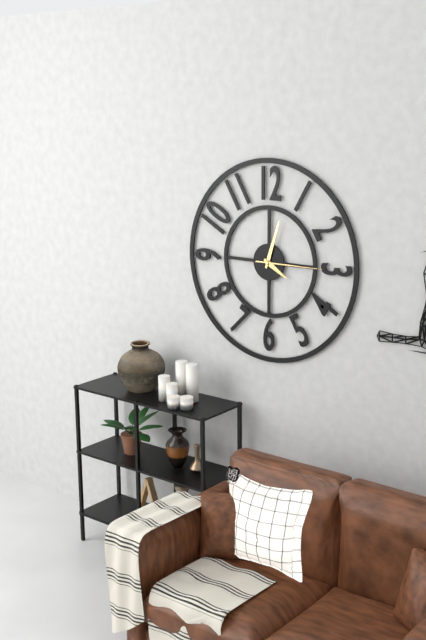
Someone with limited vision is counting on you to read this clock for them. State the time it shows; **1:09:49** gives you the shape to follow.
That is **4:03:15**
